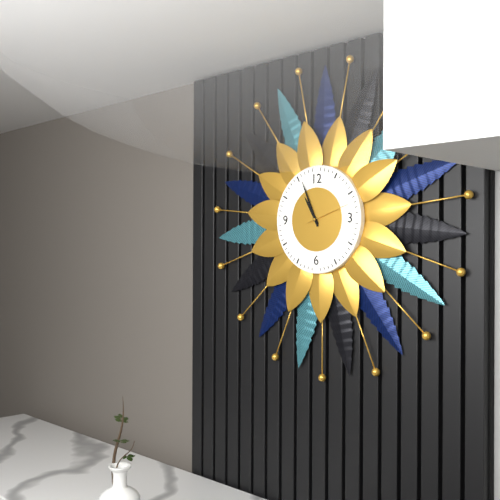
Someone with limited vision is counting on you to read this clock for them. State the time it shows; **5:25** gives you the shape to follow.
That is **10:56**
